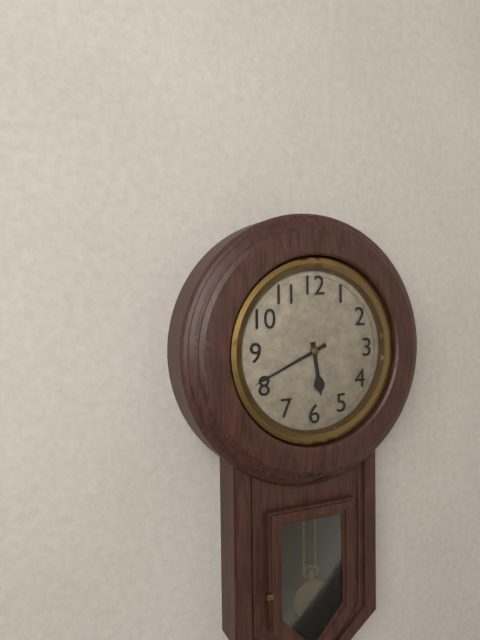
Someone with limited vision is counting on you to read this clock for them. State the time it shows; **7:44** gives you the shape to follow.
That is **5:41**
